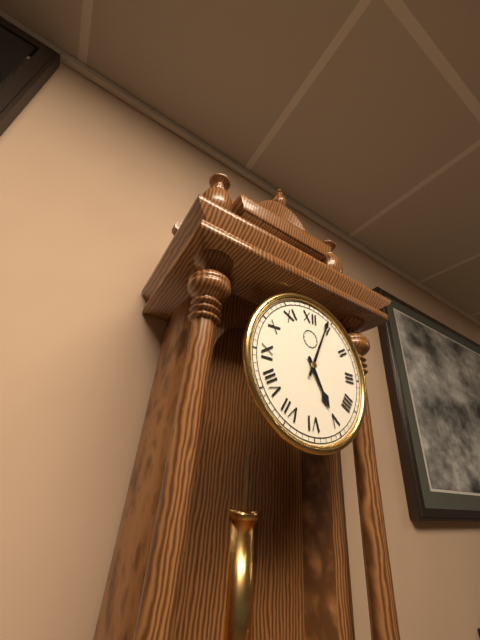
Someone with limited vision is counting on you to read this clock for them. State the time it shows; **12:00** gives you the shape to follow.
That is **5:04**
